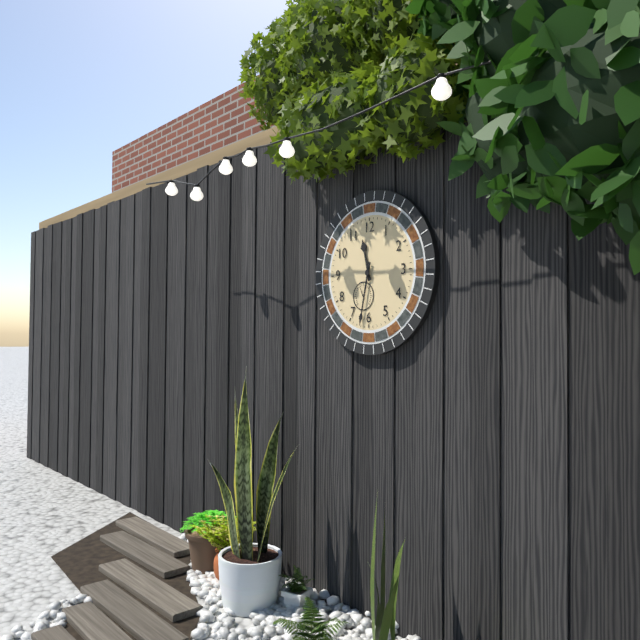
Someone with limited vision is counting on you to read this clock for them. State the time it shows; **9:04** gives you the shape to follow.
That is **11:32**
